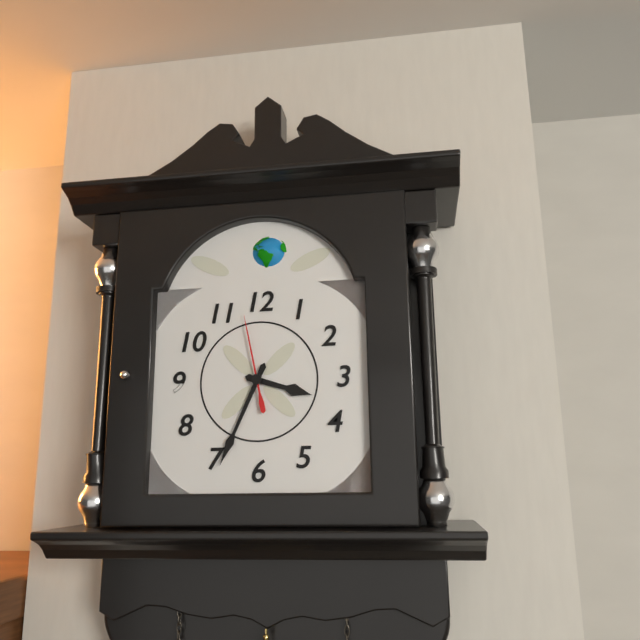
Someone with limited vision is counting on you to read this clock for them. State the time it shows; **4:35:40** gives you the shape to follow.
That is **3:34:58**
